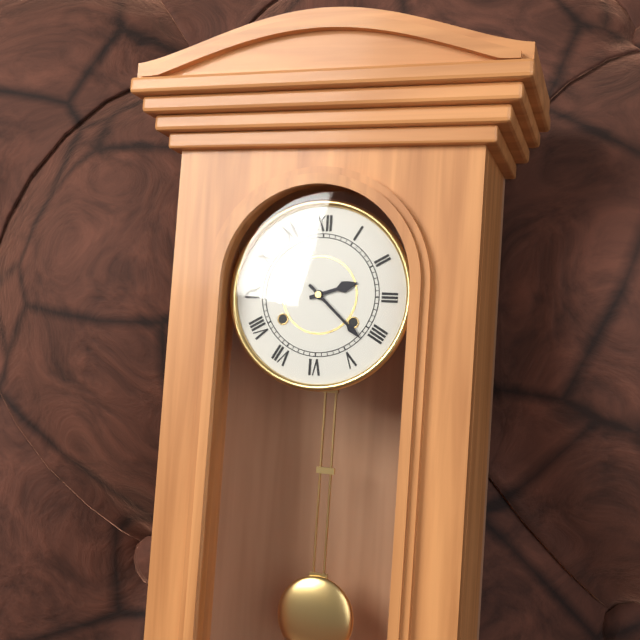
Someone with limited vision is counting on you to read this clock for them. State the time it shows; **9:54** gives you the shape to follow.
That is **2:22**
